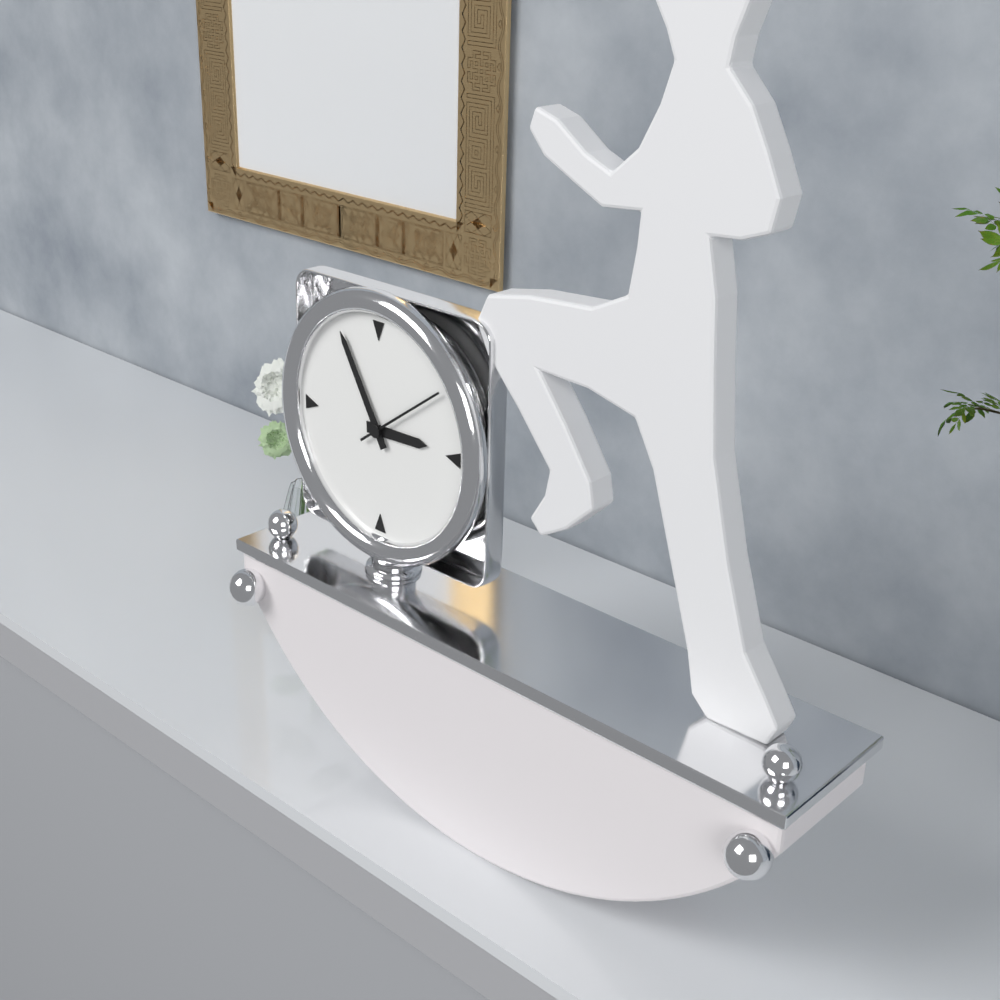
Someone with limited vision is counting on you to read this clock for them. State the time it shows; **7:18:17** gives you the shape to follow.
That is **2:55:09**
